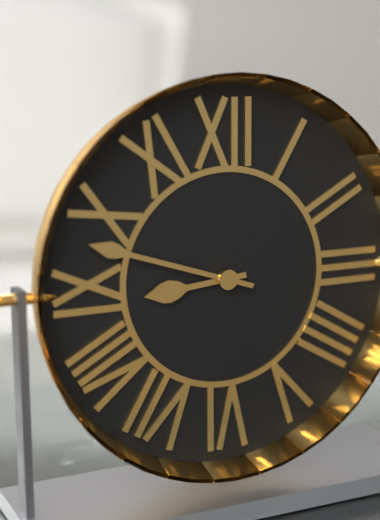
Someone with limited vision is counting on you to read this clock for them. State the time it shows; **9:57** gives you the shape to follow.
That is **8:48**
